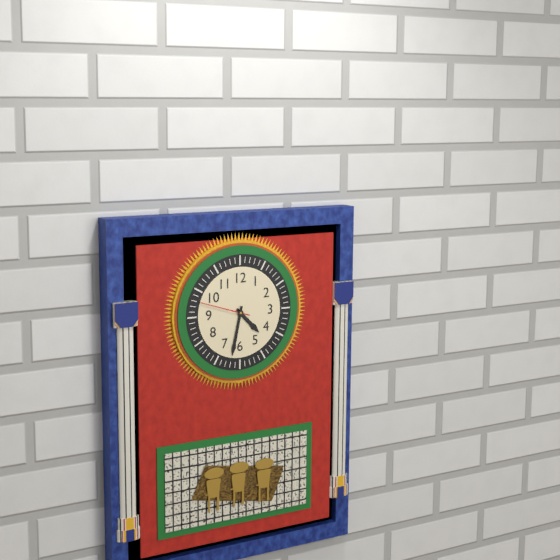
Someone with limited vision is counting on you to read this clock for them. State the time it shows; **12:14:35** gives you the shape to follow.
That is **4:32:48**
